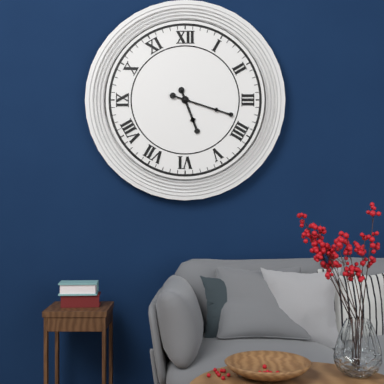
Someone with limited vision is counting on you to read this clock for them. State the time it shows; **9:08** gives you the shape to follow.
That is **5:18**
